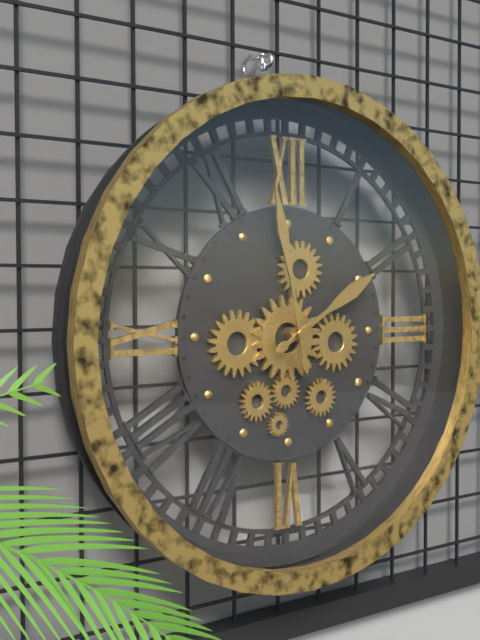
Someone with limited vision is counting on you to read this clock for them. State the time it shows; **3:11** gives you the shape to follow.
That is **1:58**
